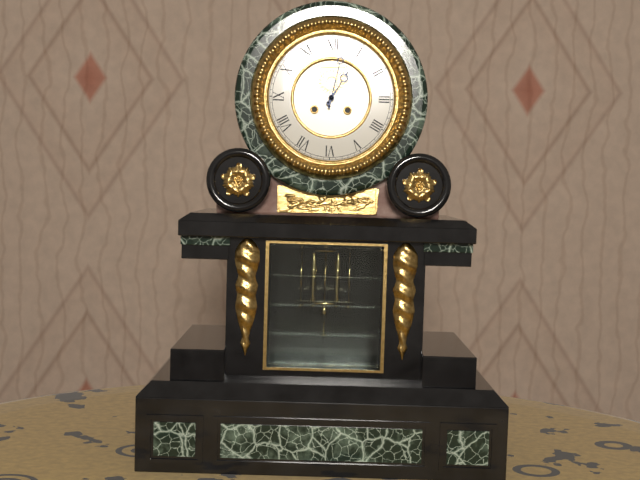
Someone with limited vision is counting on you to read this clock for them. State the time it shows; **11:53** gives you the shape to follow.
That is **1:02**
